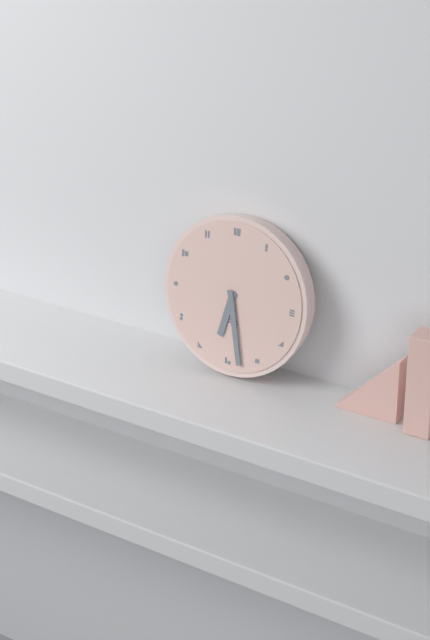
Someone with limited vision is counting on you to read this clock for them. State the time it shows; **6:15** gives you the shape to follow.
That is **6:28**
